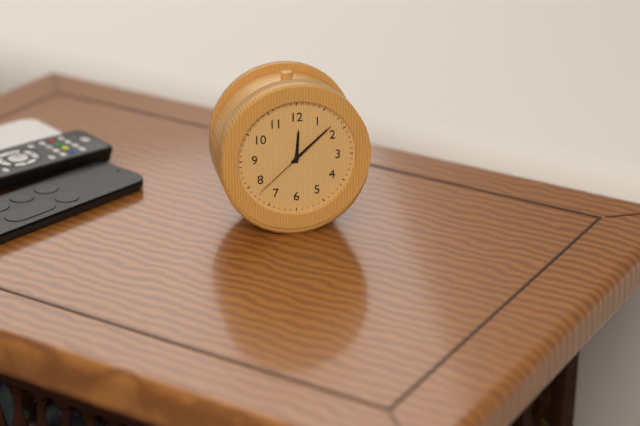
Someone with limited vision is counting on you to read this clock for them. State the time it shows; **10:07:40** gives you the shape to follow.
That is **12:08:38**
